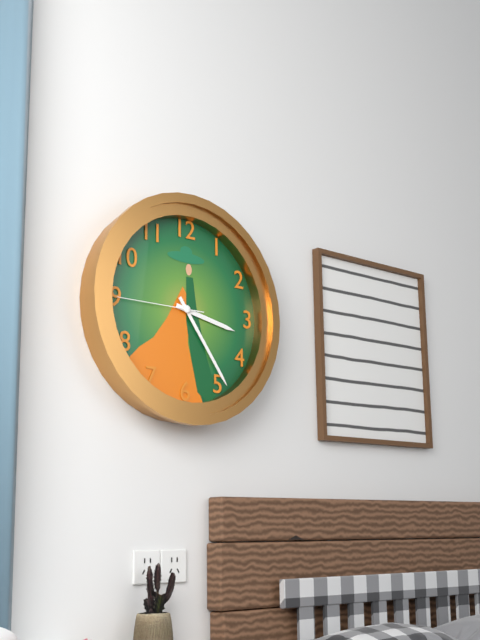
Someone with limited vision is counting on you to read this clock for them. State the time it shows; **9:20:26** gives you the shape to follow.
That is **3:24:45**
